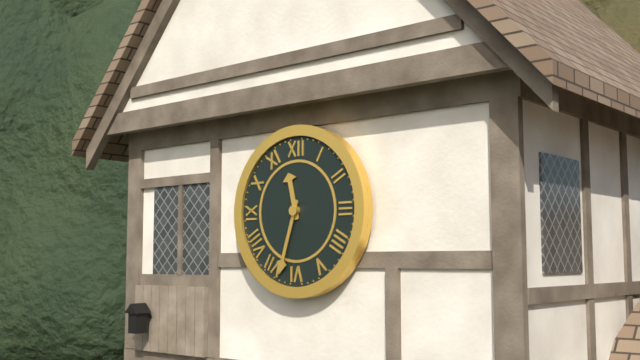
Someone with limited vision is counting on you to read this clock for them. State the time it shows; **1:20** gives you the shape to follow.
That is **11:33**
